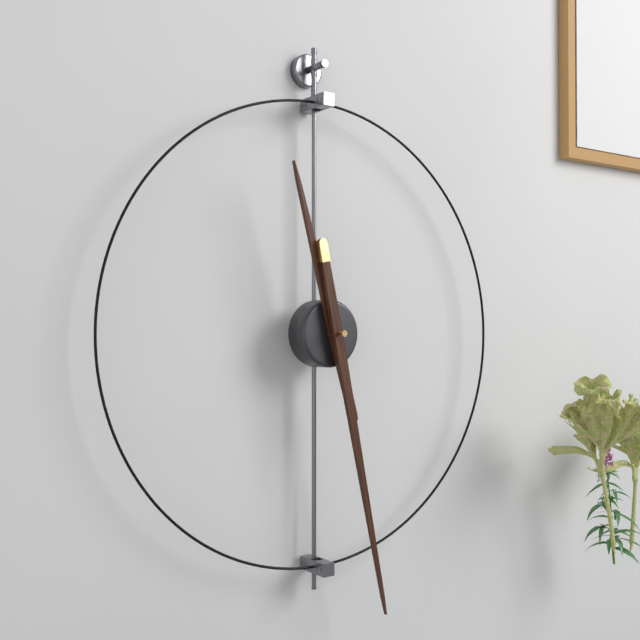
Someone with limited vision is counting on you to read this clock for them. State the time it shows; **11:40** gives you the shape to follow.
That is **11:28**
